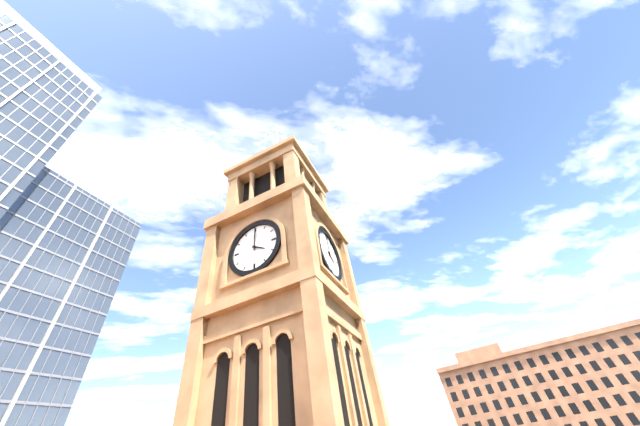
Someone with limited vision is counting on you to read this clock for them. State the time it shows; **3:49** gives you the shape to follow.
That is **4:00**
